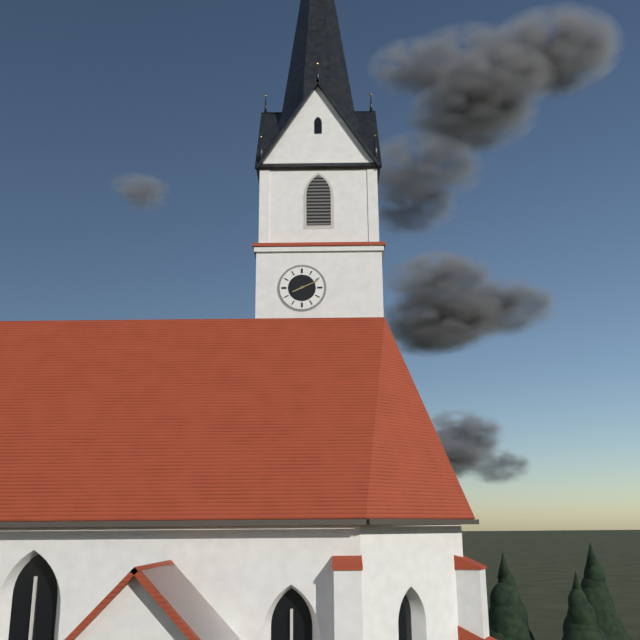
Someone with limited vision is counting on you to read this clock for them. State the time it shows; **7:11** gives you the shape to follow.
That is **8:11**
